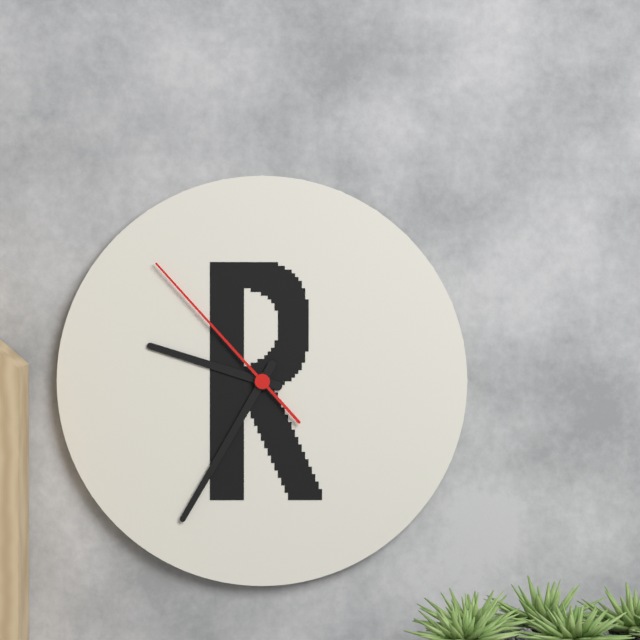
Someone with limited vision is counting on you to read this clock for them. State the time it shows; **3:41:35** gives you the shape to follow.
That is **9:35:53**
